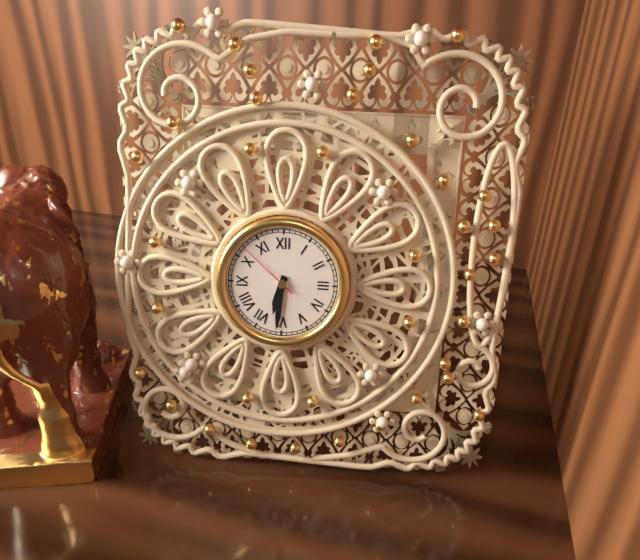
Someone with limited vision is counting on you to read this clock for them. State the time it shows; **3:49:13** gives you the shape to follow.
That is **6:31:52**
